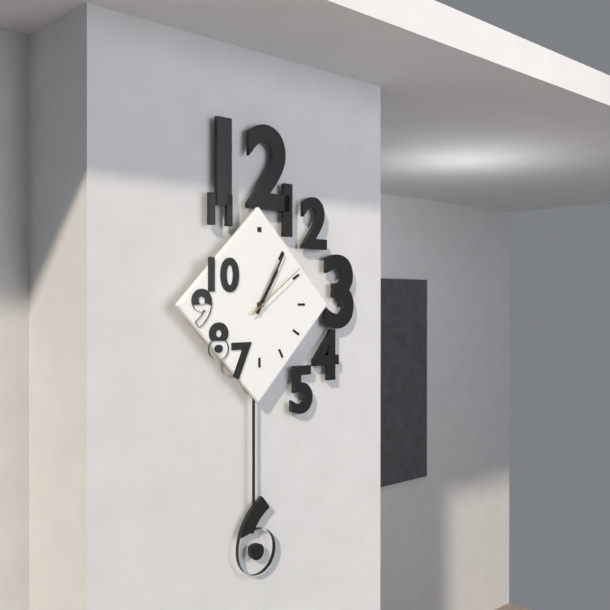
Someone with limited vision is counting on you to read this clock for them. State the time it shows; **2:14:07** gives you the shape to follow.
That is **1:05:09**
